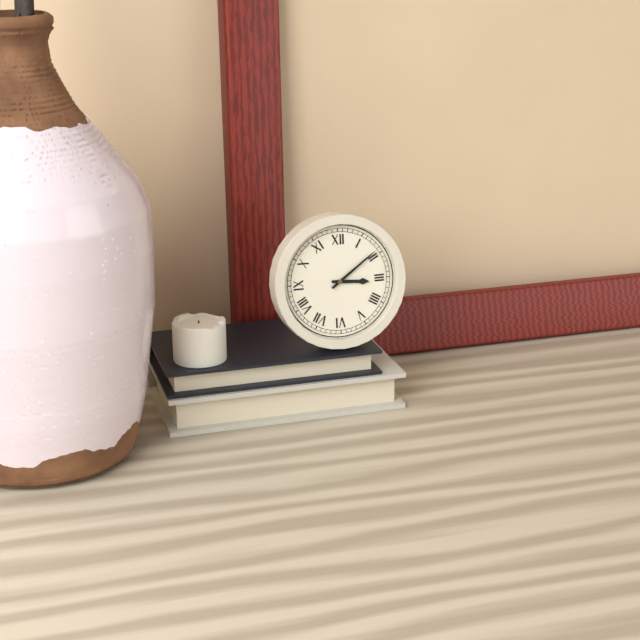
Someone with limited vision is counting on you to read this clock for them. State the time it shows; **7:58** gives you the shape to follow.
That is **3:09**
